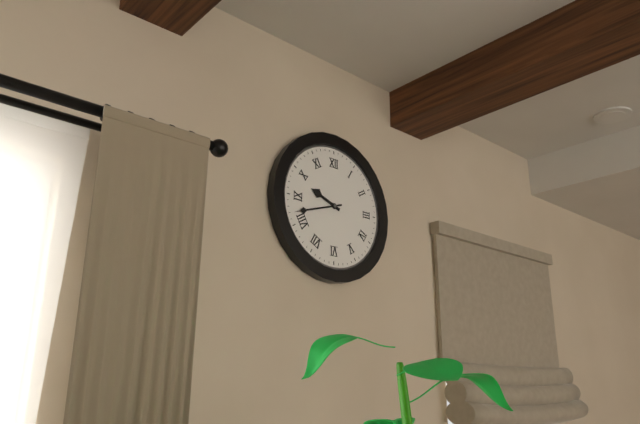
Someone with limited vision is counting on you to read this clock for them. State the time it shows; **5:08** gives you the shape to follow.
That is **9:42**
